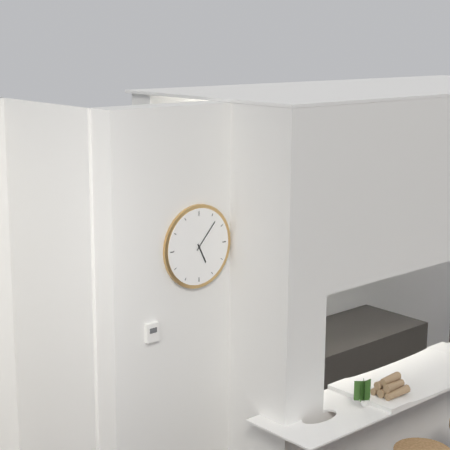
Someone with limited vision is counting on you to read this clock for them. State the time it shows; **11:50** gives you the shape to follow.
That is **5:07**
